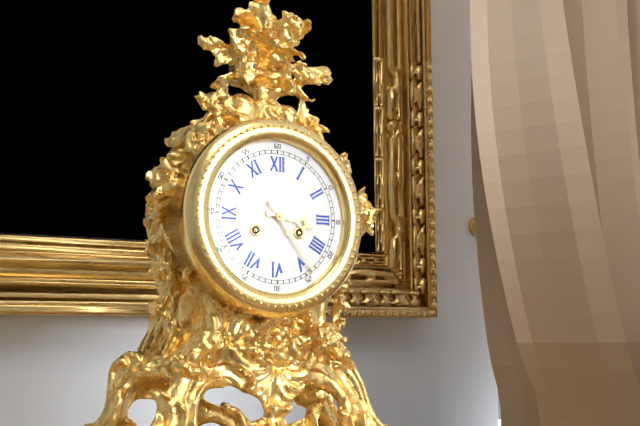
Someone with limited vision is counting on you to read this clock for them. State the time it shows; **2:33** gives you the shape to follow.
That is **3:24**
